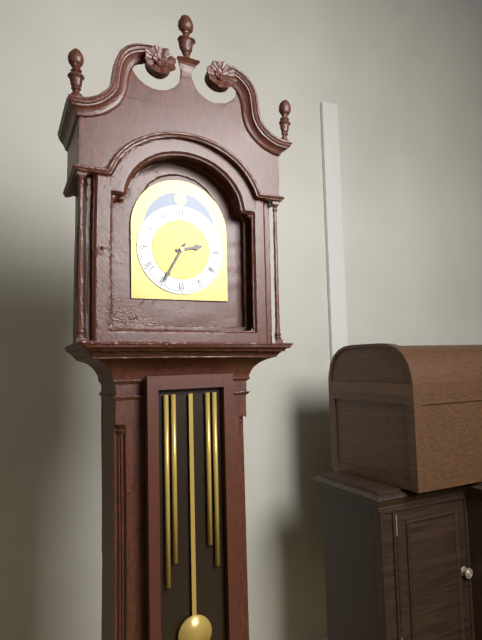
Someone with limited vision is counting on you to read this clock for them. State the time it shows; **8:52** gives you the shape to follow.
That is **2:35**
